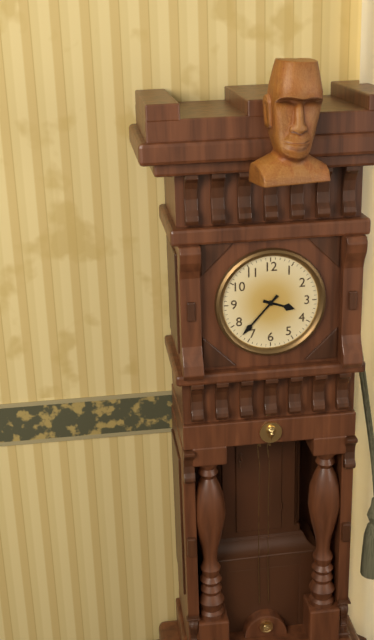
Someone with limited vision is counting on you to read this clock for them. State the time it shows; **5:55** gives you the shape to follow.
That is **3:37**
